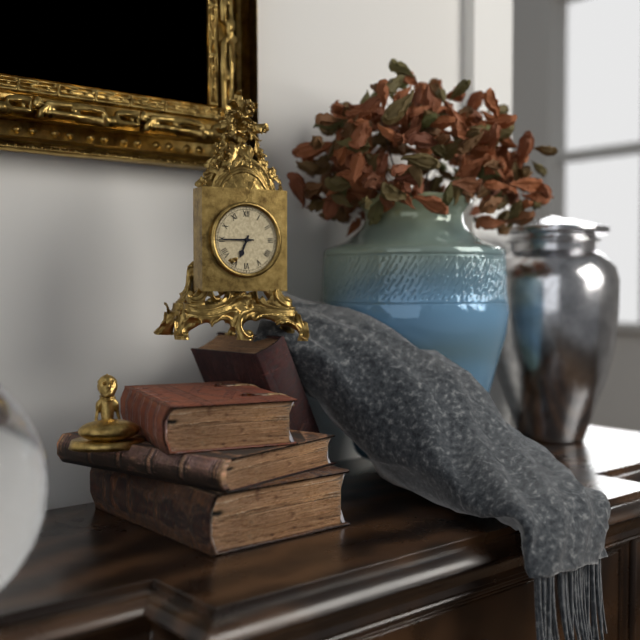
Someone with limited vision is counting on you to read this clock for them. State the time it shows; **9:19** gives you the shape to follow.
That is **6:45**
